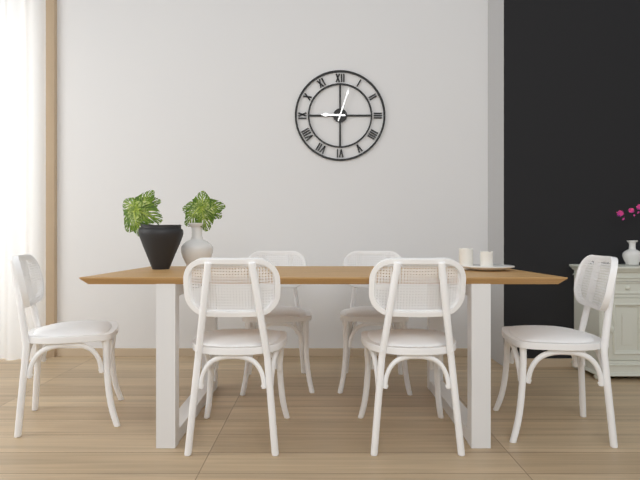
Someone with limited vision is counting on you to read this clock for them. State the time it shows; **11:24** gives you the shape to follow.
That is **9:03**
